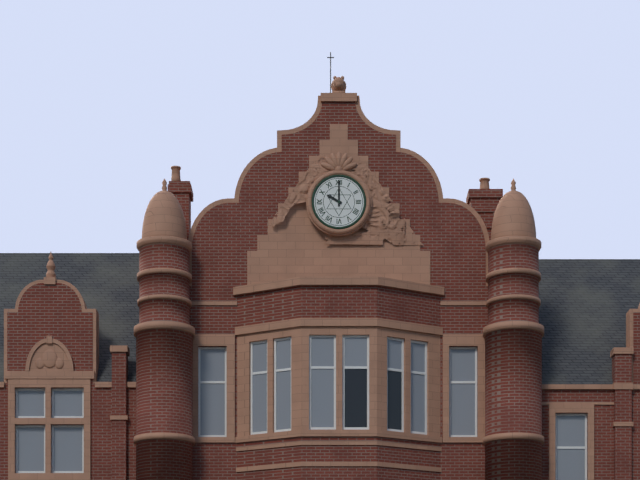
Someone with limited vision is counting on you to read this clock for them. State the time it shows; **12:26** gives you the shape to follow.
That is **10:00**
